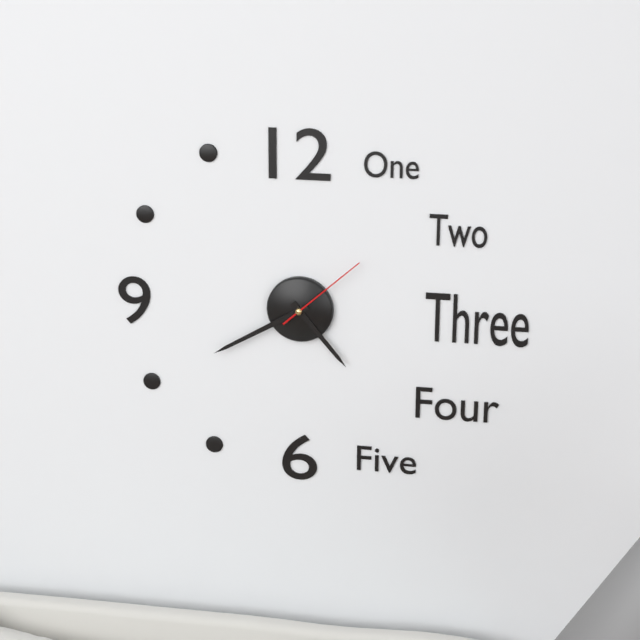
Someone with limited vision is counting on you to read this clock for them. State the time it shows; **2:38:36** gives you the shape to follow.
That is **4:40:08**
